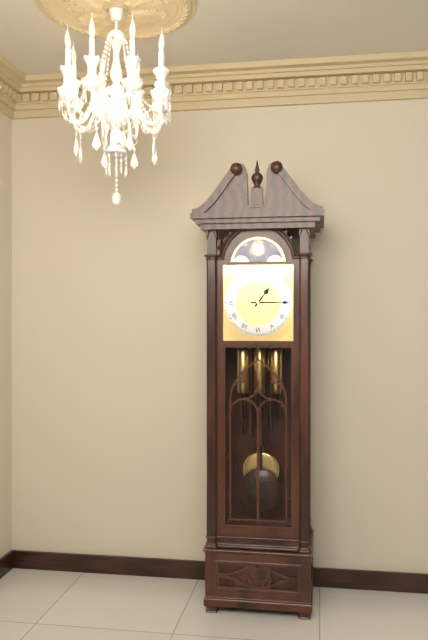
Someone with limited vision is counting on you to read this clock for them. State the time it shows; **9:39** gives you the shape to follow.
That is **1:15**
